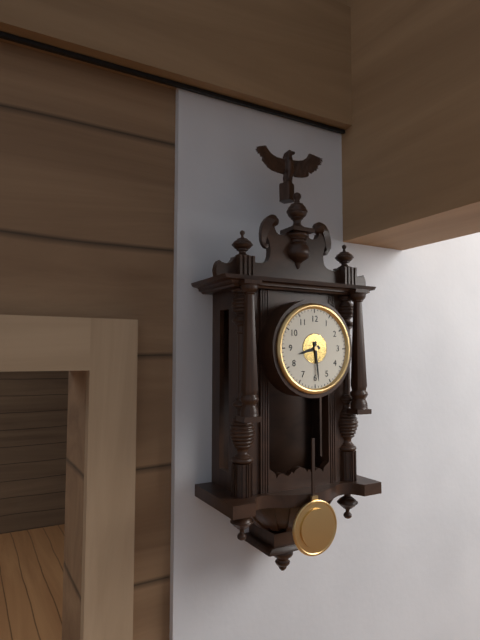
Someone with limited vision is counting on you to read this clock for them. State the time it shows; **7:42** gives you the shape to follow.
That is **8:29**
